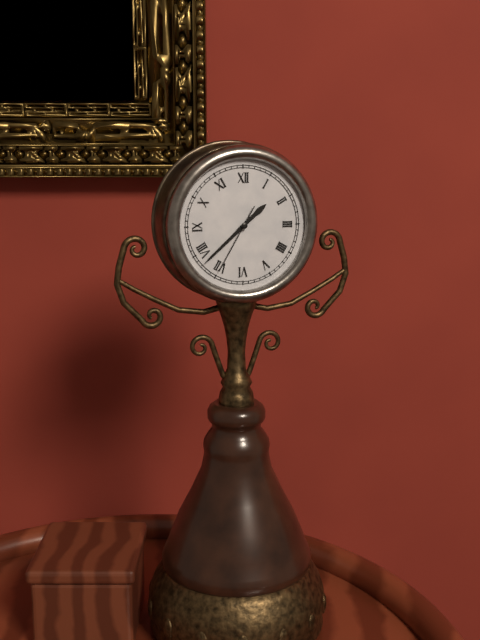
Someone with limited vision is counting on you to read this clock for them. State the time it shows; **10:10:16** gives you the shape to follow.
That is **1:38:35**
